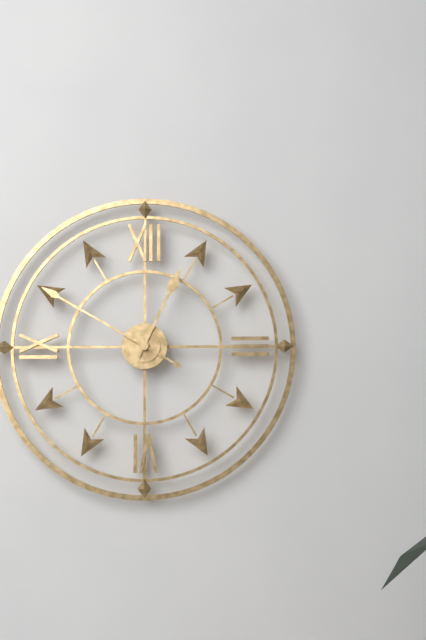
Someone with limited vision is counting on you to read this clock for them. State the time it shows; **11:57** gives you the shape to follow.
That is **12:50**
